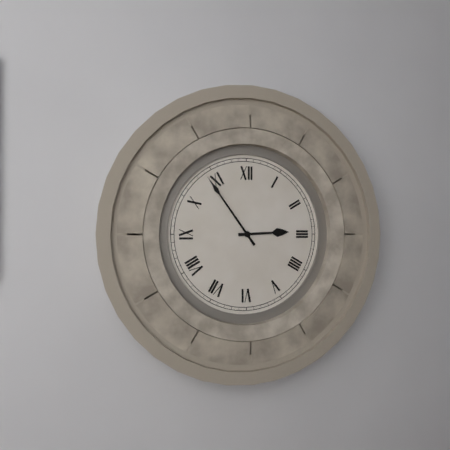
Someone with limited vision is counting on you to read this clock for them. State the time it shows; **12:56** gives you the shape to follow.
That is **2:54**
